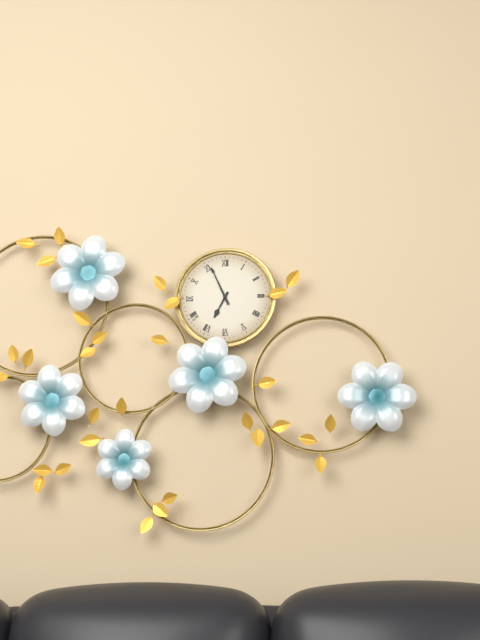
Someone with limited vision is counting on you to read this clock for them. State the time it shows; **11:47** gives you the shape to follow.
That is **6:56**
